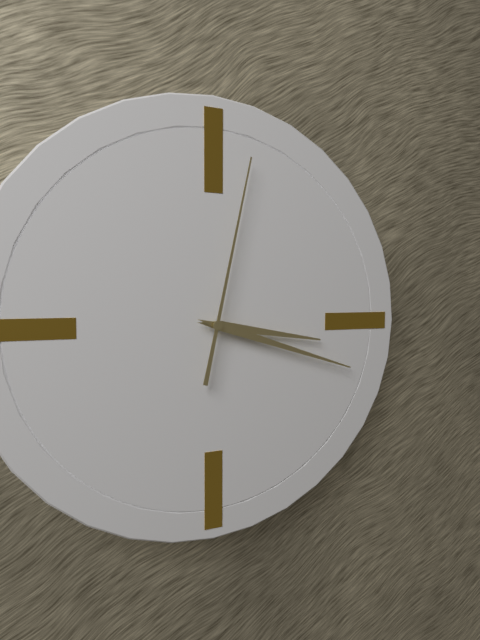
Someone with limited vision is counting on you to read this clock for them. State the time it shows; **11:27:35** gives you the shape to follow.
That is **3:18:02**
